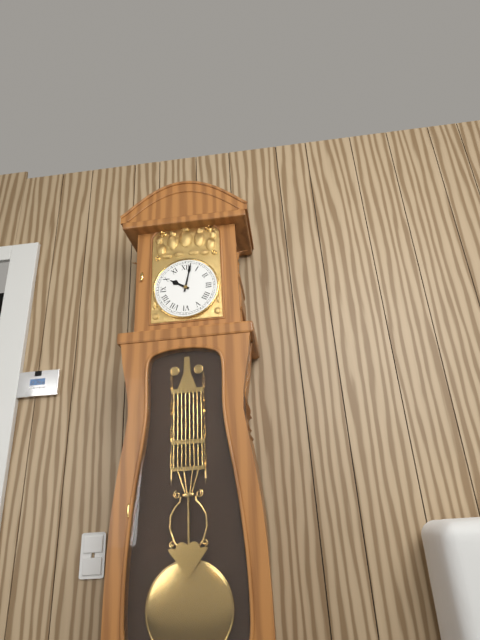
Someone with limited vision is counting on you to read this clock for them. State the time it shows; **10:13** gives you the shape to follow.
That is **10:02**
